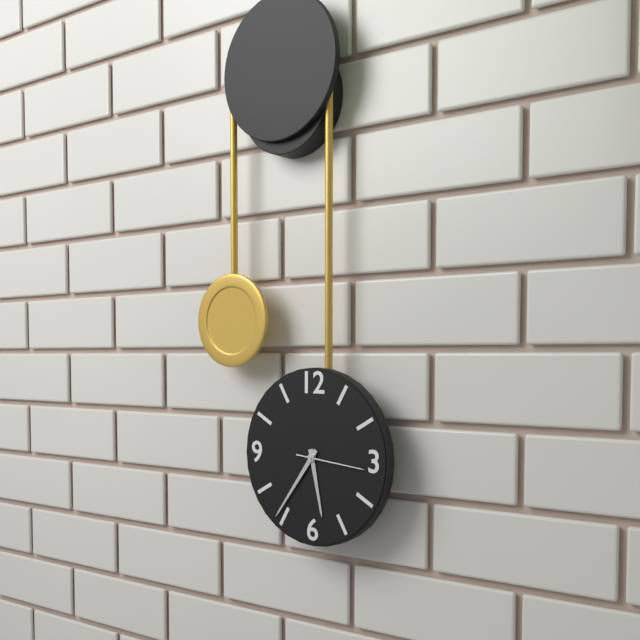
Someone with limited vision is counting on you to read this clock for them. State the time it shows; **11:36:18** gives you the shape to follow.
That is **5:36:16**
